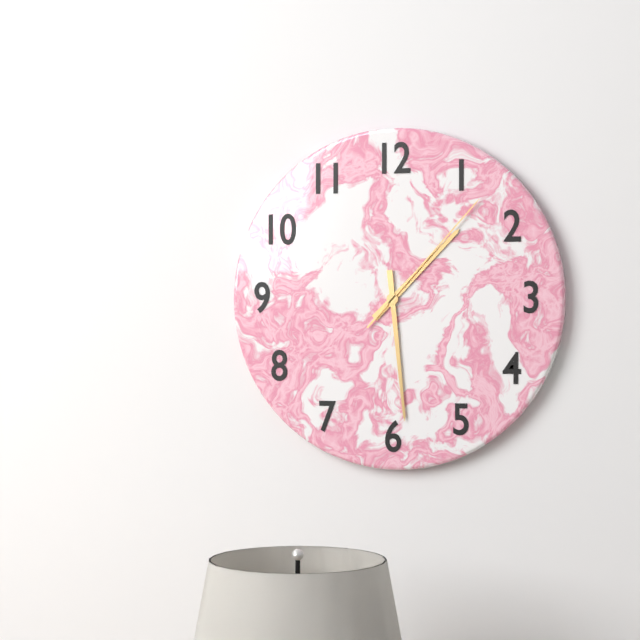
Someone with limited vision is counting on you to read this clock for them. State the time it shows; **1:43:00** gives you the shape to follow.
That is **1:29:07**
